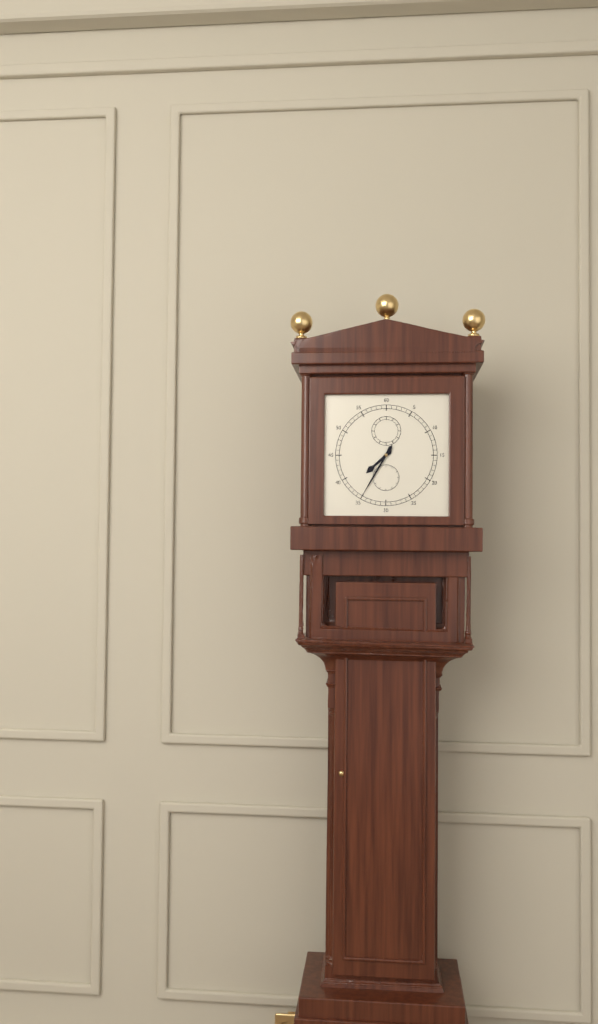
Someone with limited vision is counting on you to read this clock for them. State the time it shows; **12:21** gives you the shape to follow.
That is **7:35**
